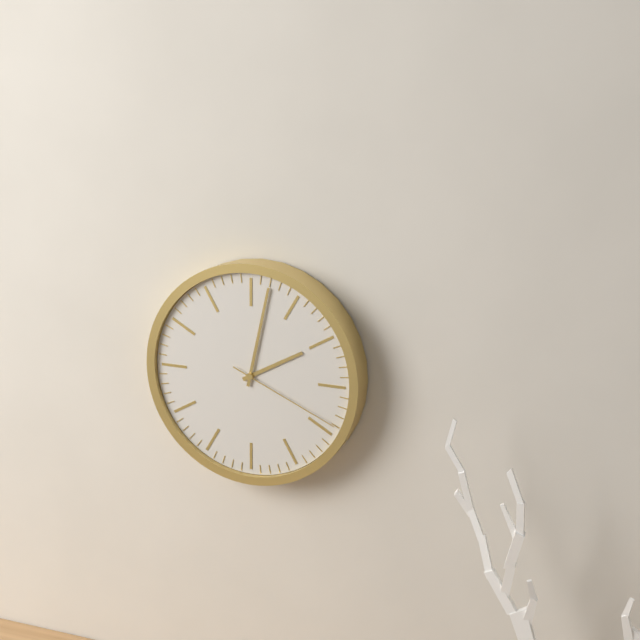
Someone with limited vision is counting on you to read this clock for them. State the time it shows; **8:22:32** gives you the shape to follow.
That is **2:02:19**
